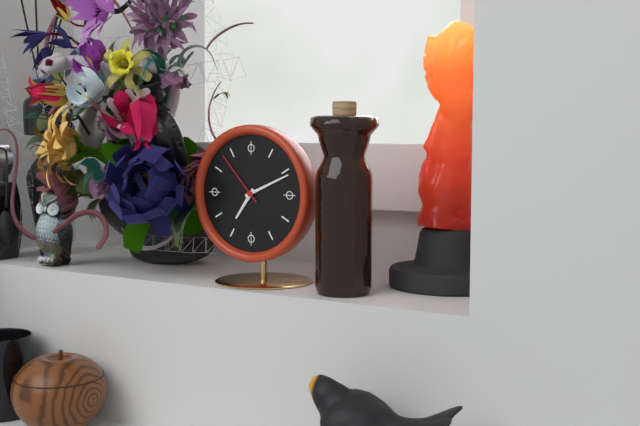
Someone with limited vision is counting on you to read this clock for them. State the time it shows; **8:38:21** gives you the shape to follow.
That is **7:11:53**
